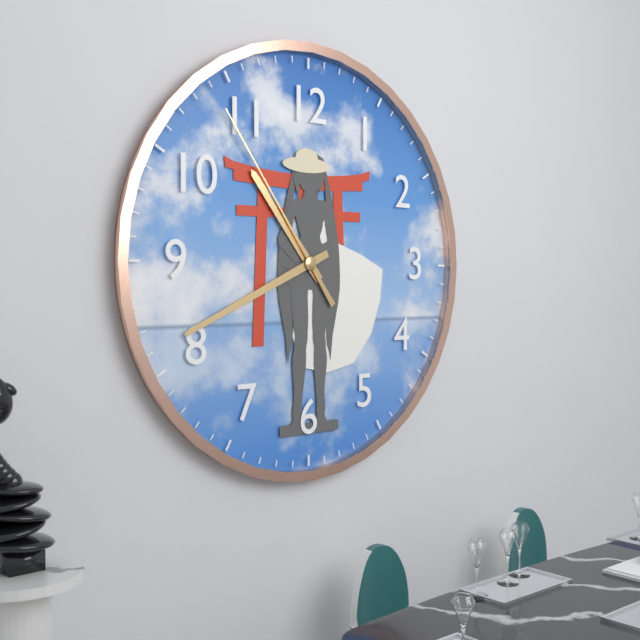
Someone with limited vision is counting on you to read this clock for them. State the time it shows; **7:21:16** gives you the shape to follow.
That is **10:41:54**
